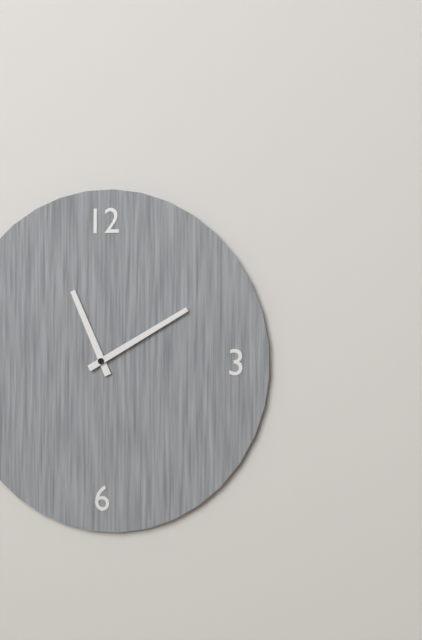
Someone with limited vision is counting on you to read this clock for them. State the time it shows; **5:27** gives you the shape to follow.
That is **11:10**
